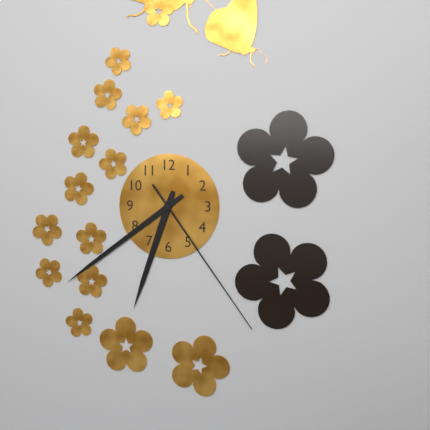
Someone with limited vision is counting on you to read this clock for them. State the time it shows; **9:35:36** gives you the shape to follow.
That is **6:39:24**
